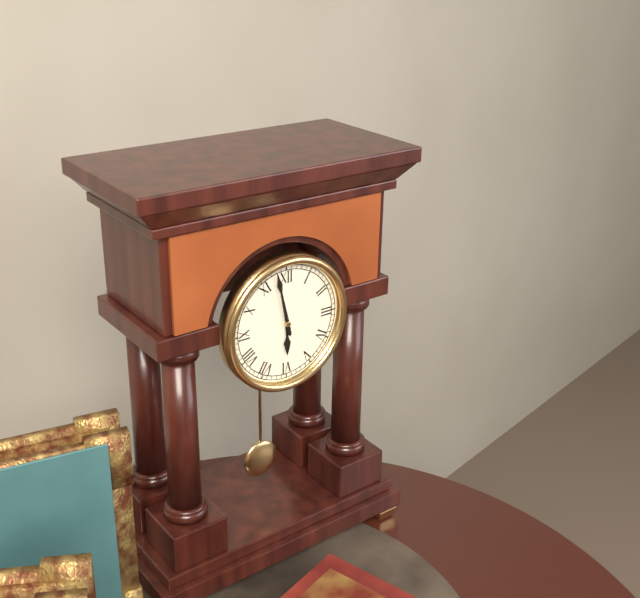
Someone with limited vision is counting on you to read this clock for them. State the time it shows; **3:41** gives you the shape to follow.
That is **5:58**
